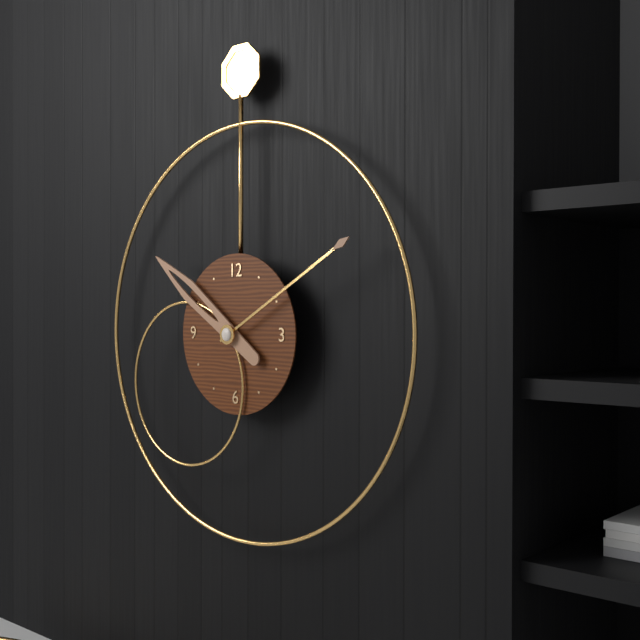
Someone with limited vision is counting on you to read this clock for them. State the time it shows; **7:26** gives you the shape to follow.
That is **10:10**
